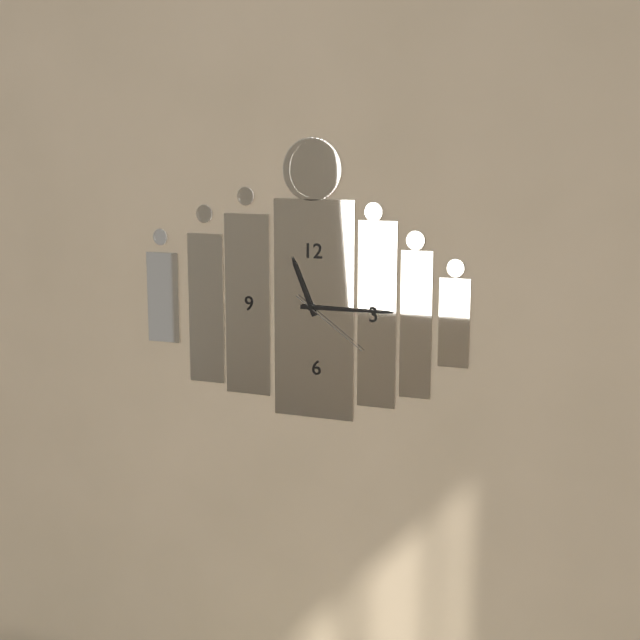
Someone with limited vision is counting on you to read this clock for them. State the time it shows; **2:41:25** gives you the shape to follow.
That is **11:15:21**
